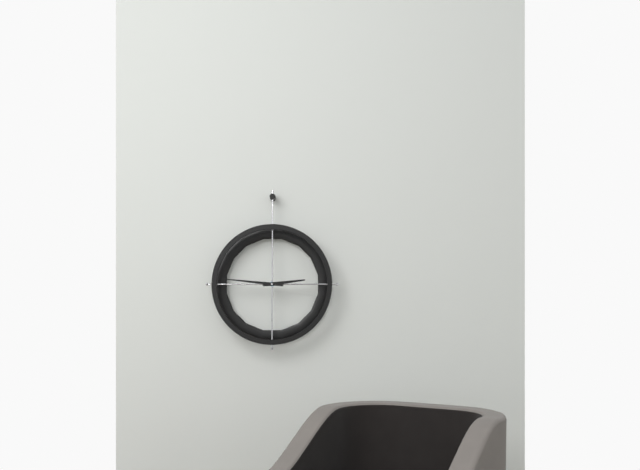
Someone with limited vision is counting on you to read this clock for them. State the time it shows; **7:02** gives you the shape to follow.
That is **2:46**
